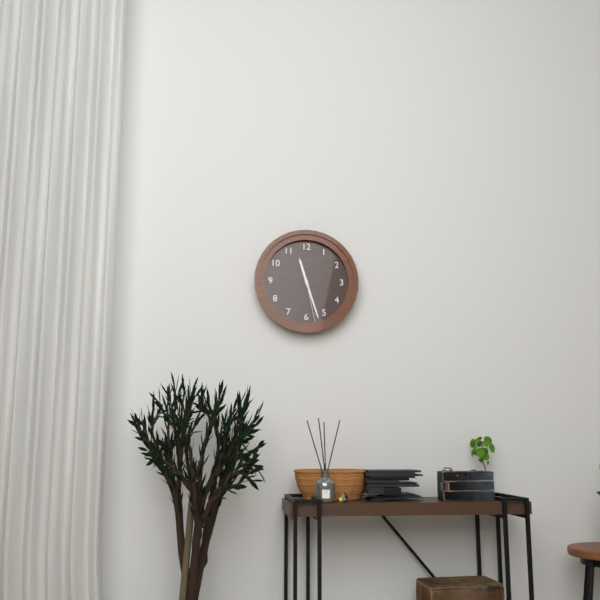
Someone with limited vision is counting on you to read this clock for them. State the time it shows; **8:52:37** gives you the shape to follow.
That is **11:27:28**
